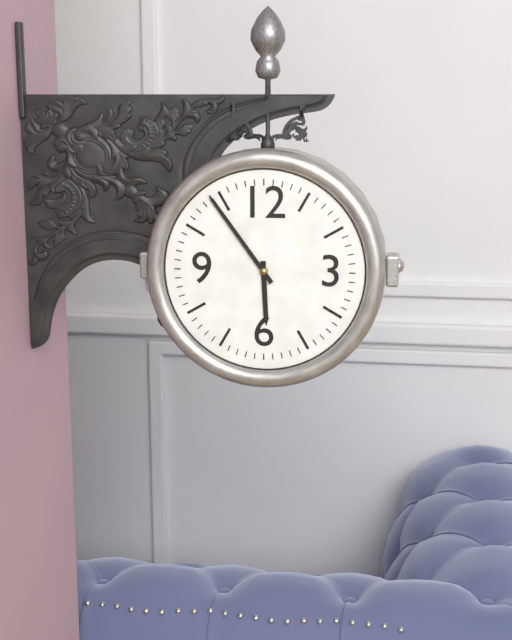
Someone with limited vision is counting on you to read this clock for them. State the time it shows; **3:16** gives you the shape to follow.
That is **5:54**
